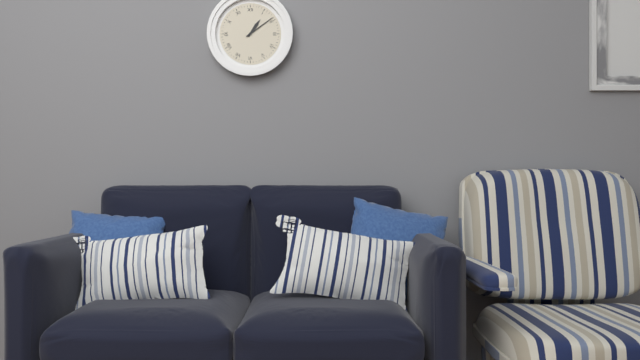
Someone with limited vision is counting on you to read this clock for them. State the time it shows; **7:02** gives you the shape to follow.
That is **1:09**
